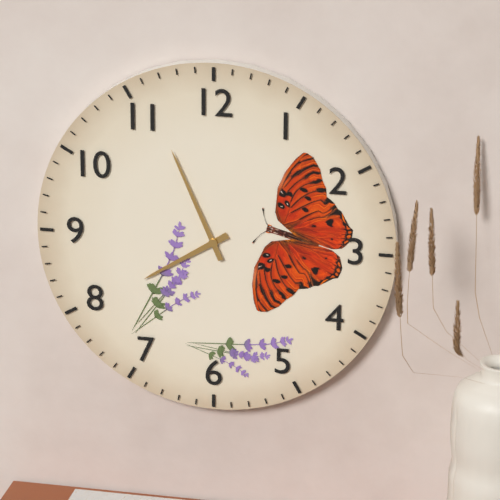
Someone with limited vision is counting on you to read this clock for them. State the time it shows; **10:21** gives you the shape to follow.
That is **7:56**
